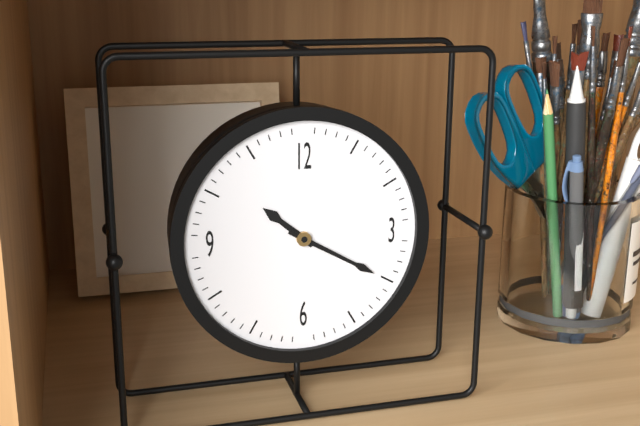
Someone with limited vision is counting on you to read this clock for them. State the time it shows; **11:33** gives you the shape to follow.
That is **10:20**
